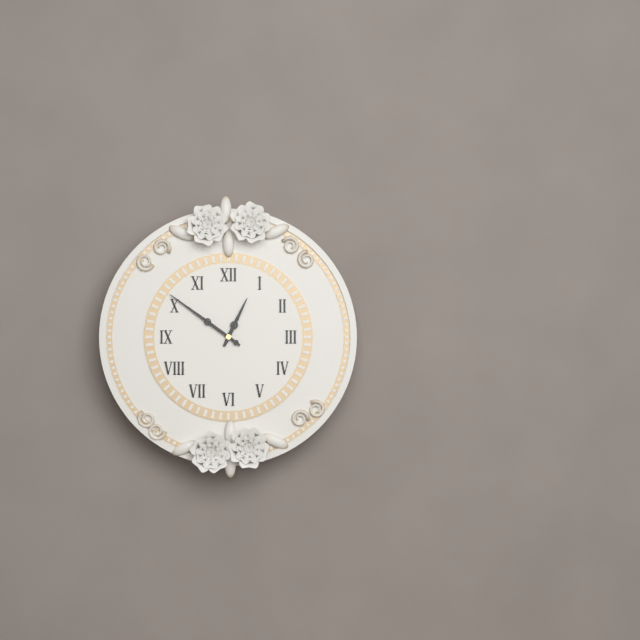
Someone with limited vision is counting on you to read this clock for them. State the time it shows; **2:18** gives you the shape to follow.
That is **12:51**
